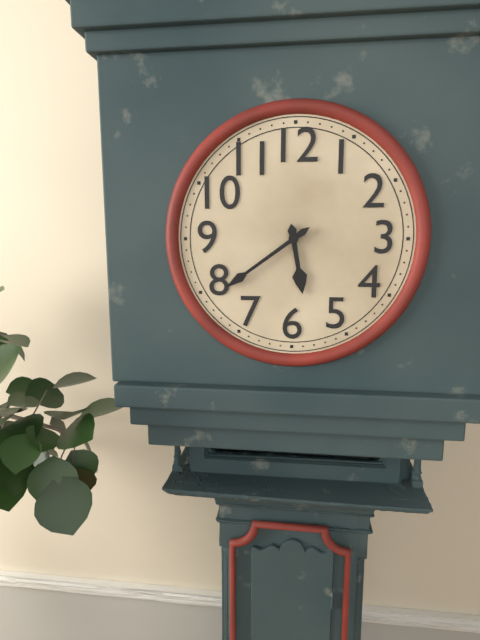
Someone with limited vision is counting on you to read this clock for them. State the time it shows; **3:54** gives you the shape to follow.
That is **5:39**
